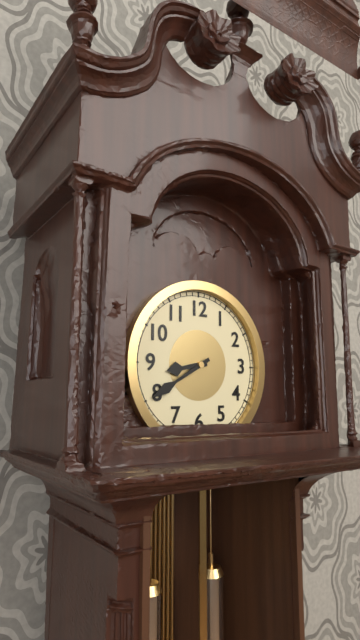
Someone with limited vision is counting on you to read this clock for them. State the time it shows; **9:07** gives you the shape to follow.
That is **8:40**
